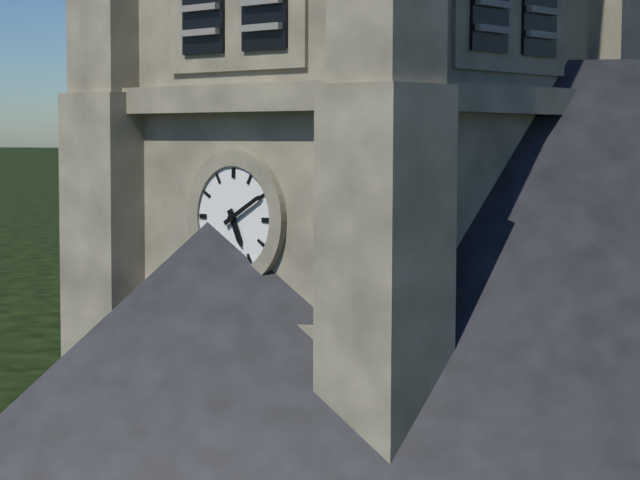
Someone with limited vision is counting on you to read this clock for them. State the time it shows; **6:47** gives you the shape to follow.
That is **5:10**
